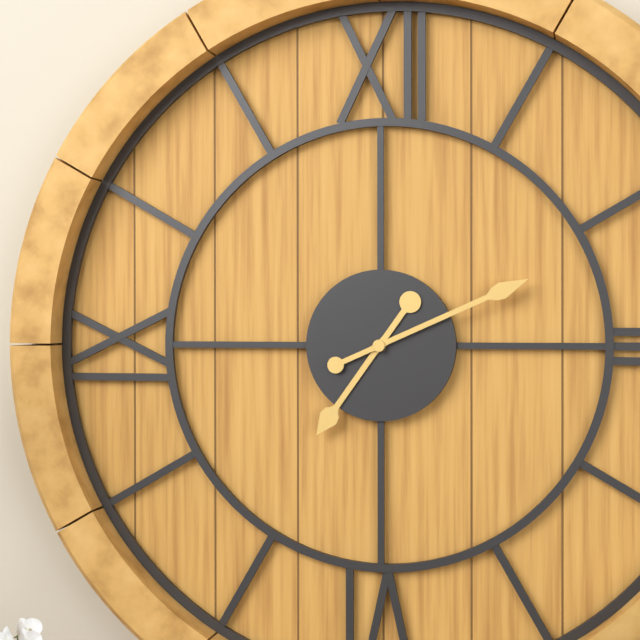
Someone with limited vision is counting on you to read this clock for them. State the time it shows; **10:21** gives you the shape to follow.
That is **7:11**
